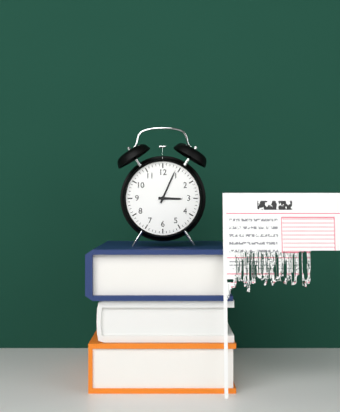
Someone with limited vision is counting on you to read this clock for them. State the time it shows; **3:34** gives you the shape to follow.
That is **3:04**
